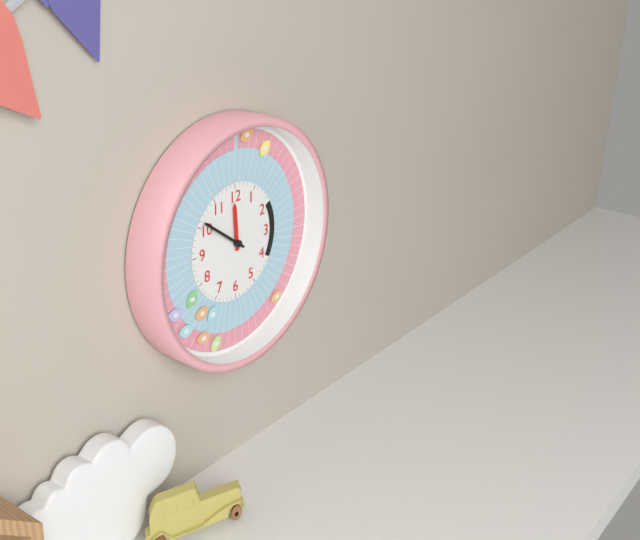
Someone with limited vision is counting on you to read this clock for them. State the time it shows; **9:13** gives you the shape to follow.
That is **11:51**
